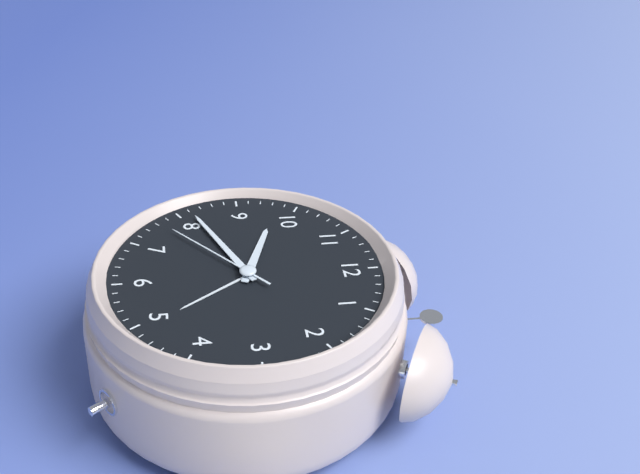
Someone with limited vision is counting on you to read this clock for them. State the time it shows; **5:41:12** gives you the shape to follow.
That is **9:41:38**
